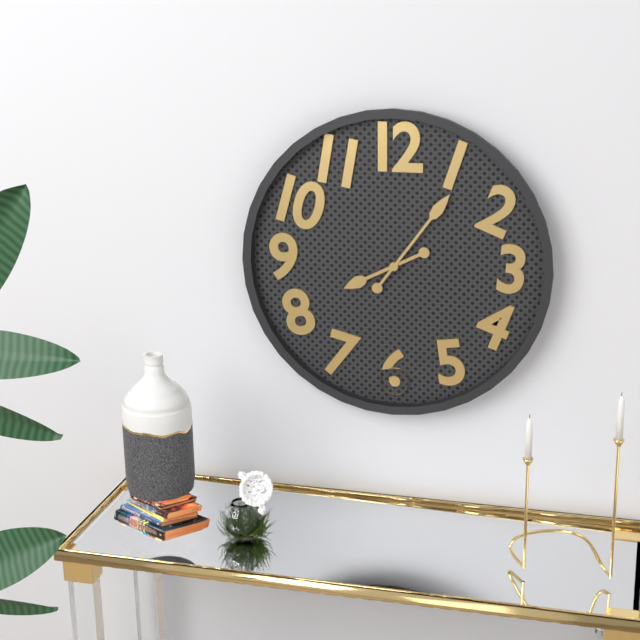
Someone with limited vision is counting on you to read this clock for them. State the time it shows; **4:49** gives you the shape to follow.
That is **8:06**
